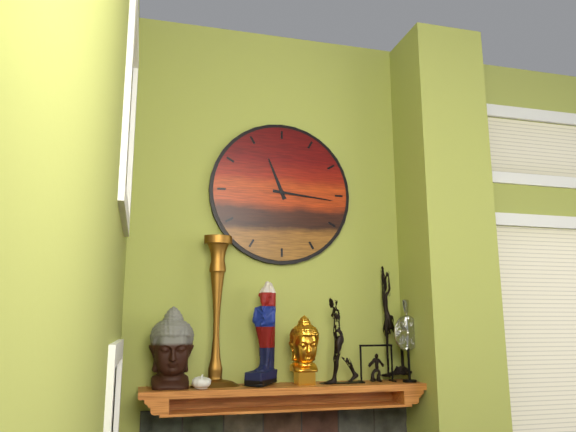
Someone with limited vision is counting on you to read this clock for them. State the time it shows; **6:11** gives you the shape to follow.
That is **11:16**
